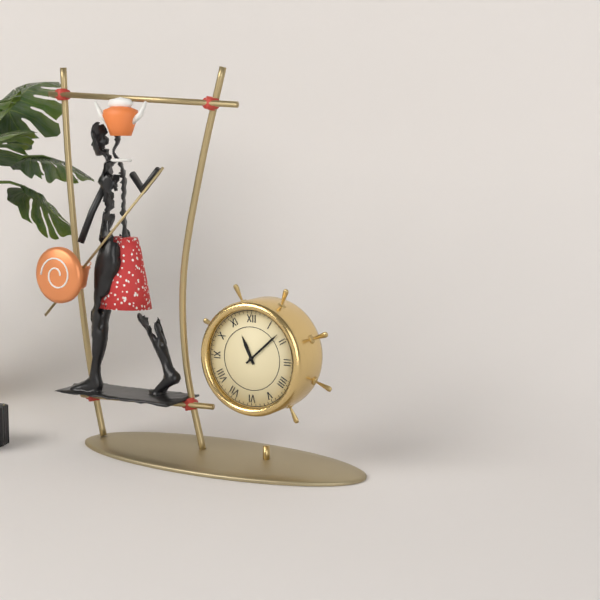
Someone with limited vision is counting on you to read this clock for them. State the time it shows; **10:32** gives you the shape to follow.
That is **11:08**
